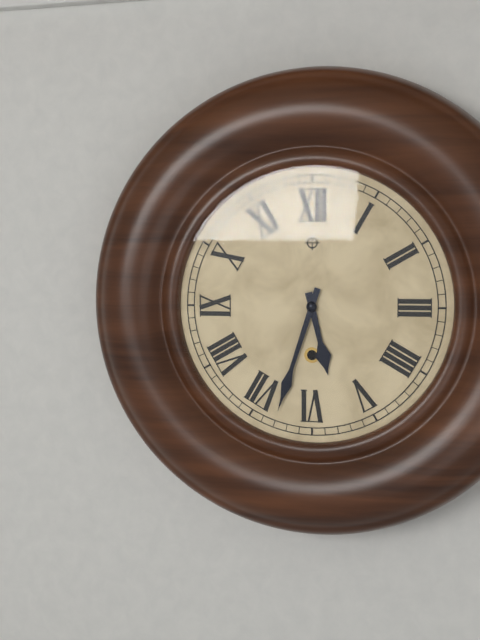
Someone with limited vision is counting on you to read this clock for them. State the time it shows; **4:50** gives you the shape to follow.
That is **5:33**
